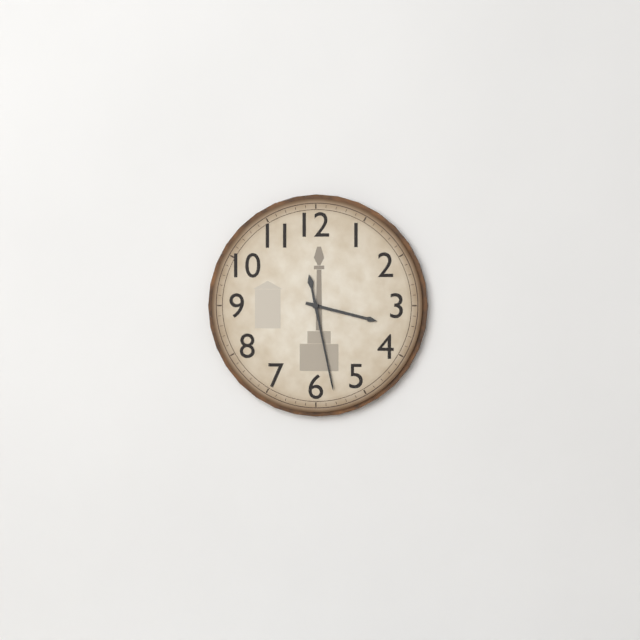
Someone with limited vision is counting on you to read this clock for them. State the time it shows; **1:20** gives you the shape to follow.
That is **3:28**
